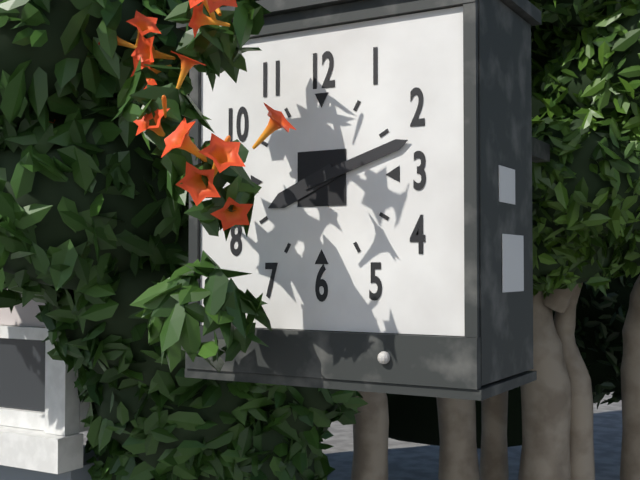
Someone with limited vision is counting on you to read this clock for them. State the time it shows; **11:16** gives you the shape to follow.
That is **8:12**
